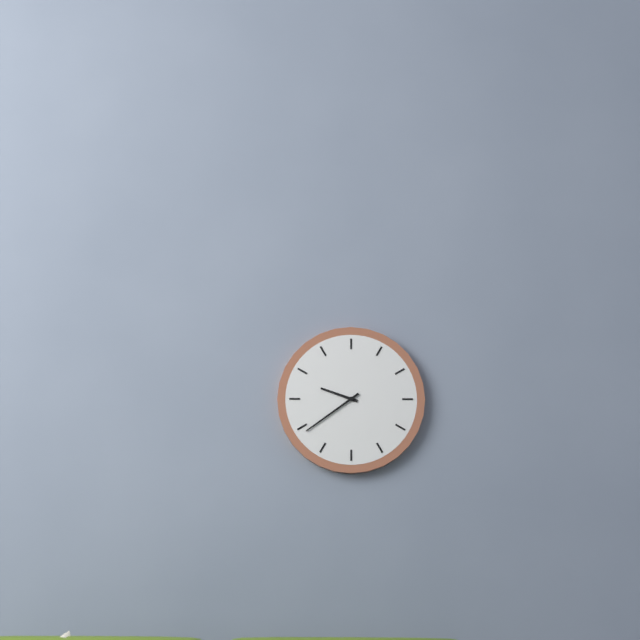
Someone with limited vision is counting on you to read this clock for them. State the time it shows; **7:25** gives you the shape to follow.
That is **9:39**
